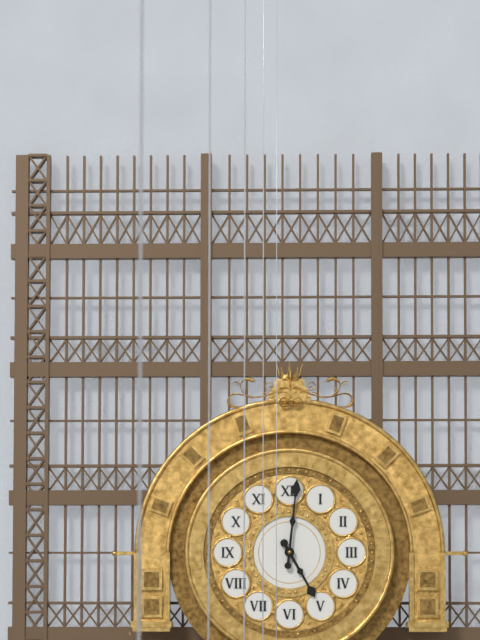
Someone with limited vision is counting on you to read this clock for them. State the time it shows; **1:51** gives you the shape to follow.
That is **5:01**
